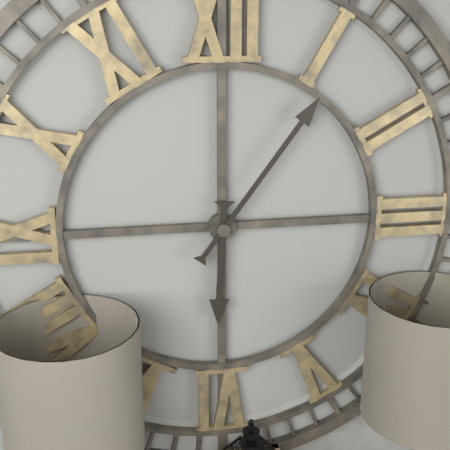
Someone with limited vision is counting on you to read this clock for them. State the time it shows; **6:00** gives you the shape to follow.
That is **6:06**
